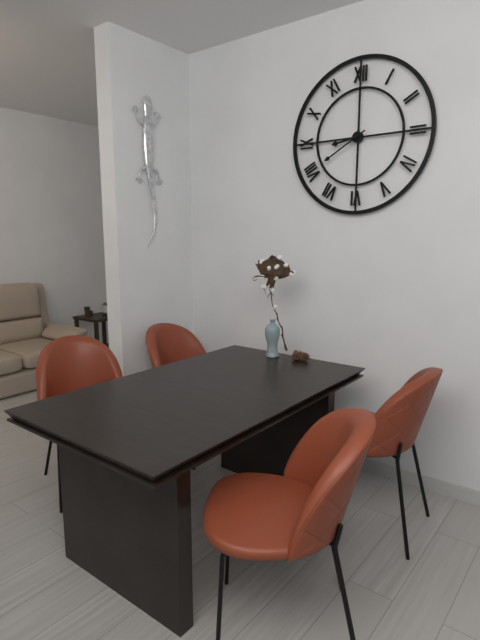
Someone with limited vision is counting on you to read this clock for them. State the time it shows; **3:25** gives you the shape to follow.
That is **8:40**
